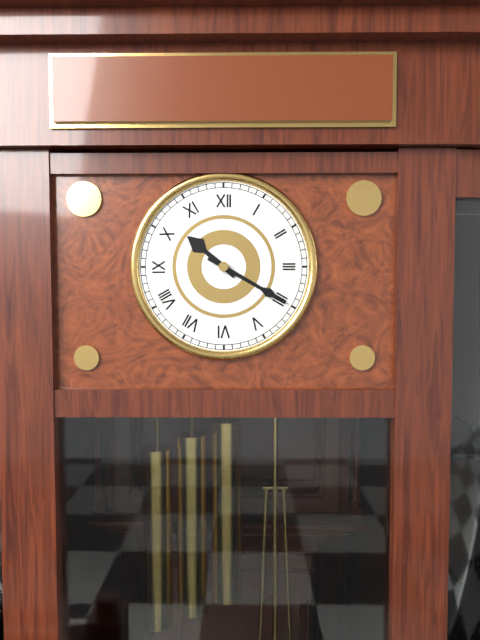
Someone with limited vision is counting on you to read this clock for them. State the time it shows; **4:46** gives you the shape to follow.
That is **10:20**
